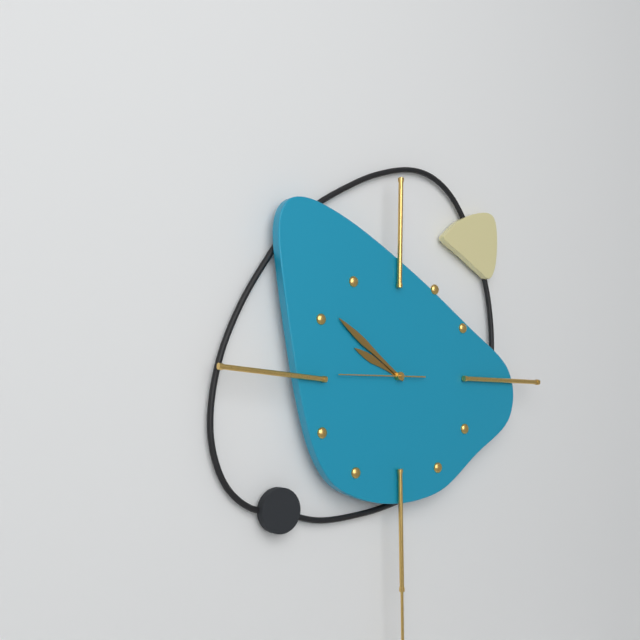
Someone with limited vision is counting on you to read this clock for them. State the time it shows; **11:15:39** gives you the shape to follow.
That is **9:51:45**
